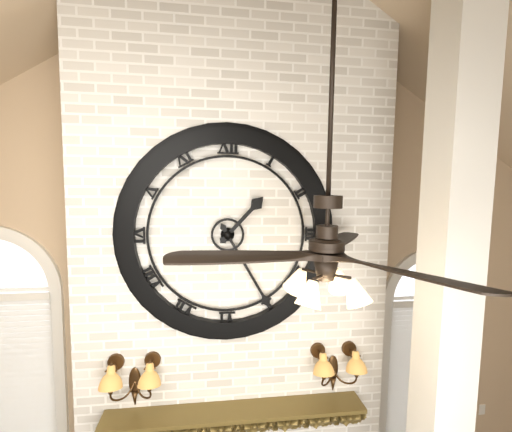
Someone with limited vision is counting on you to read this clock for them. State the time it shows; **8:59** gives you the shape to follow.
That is **1:25**
